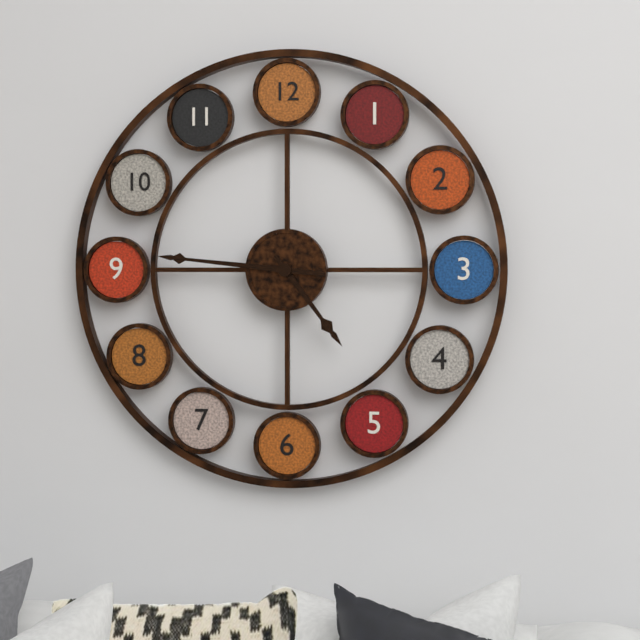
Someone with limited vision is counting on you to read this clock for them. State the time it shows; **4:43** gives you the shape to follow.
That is **4:46**
